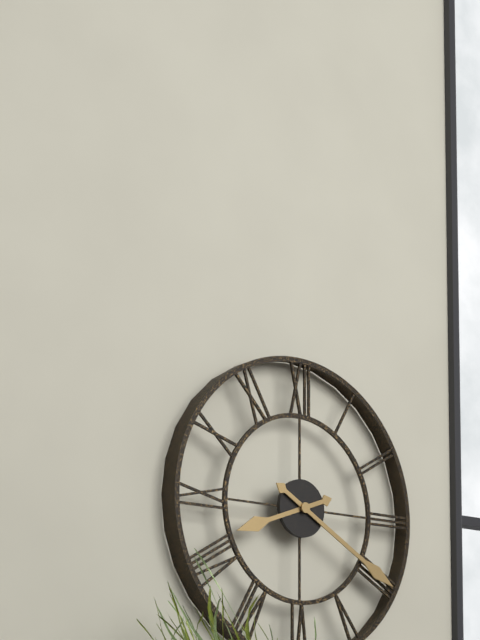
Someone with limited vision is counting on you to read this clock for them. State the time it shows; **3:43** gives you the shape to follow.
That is **8:20**
